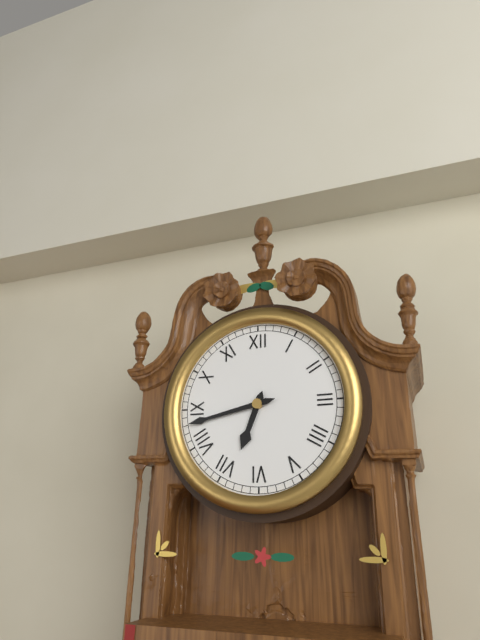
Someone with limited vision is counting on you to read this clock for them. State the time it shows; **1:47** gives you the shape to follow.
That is **6:43**
